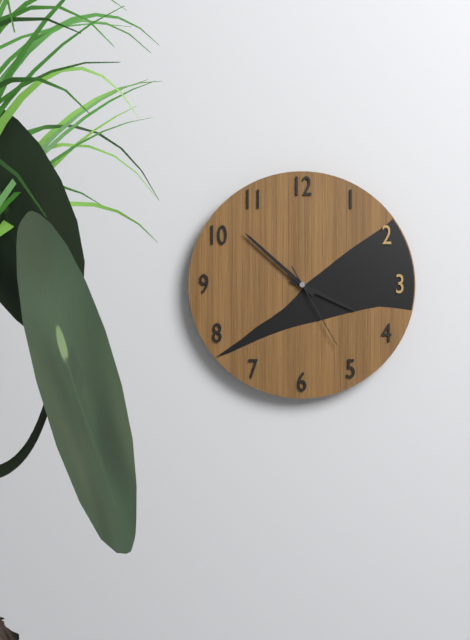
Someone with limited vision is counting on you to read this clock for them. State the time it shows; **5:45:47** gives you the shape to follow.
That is **3:52:25**
